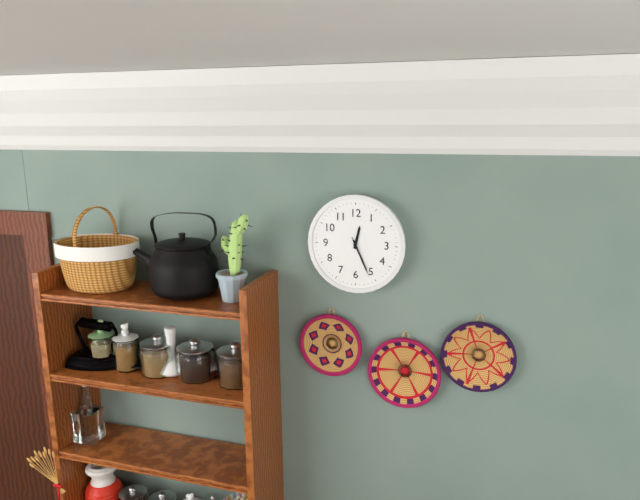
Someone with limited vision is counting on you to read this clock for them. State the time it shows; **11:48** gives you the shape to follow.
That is **12:26**
